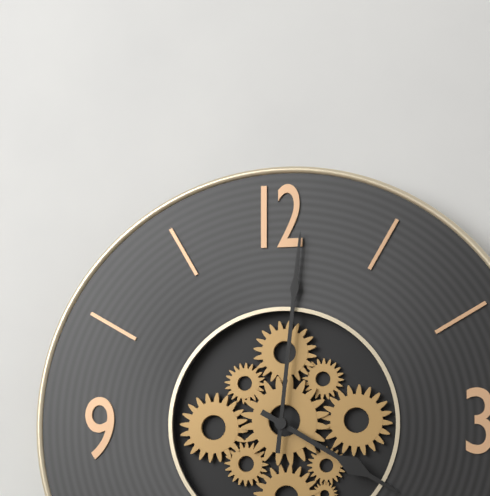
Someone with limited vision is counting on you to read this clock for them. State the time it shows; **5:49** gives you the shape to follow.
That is **4:01**
